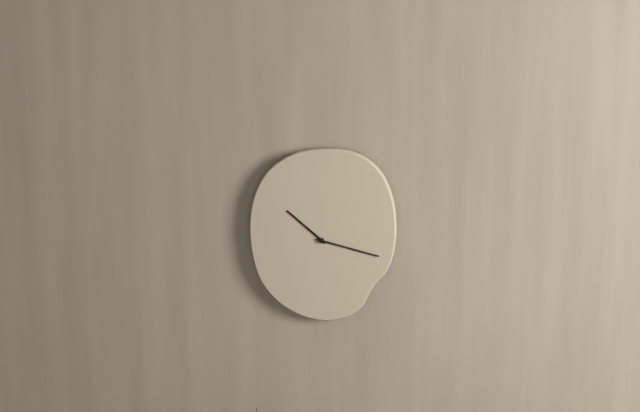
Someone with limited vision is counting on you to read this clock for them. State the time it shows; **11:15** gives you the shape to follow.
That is **10:17**
